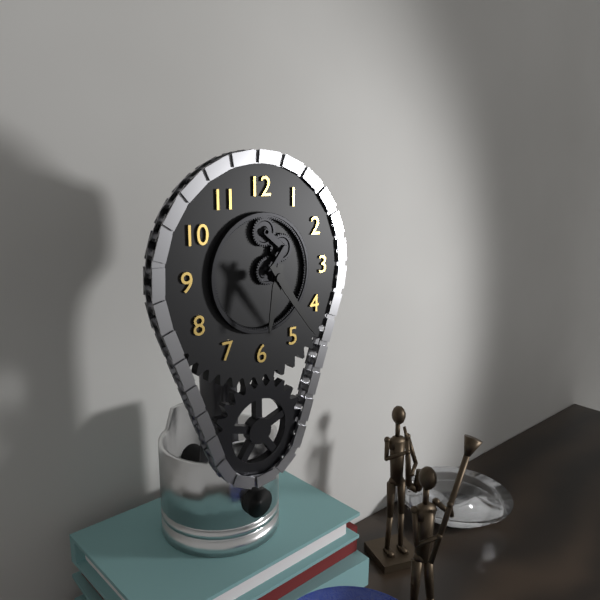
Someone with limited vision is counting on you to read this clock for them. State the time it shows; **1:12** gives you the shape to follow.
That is **6:24**
